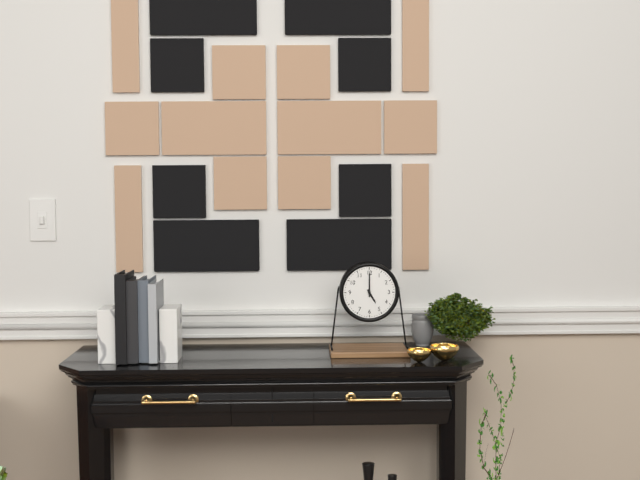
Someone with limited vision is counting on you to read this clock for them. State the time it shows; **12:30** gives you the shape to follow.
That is **5:00**
